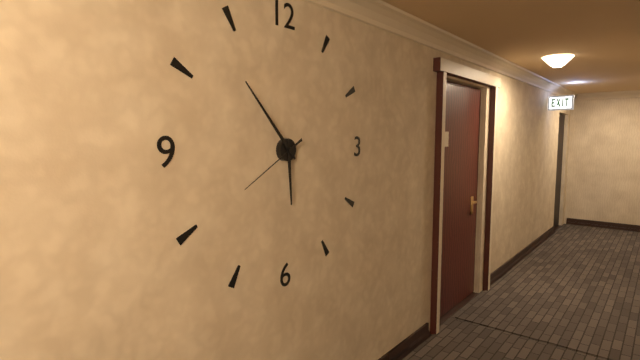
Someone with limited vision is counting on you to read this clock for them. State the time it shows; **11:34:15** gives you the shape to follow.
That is **5:53:40**
